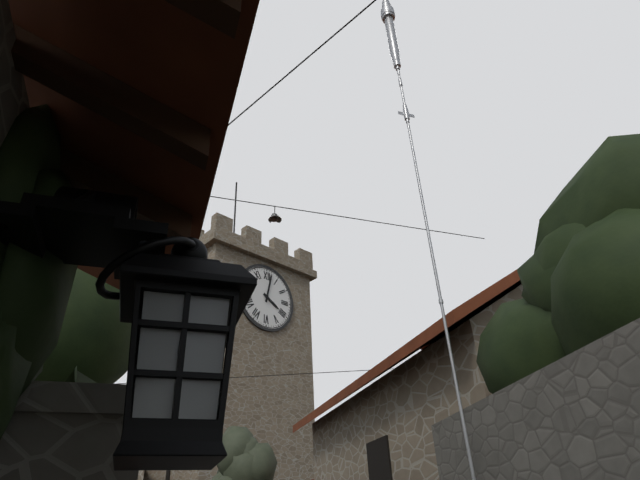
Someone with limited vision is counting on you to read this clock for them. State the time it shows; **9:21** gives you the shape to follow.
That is **4:02**
